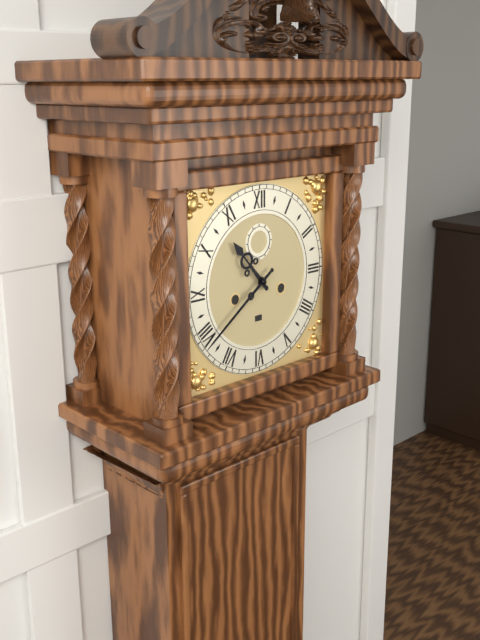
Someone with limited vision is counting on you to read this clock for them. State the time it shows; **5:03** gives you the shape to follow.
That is **10:39**
